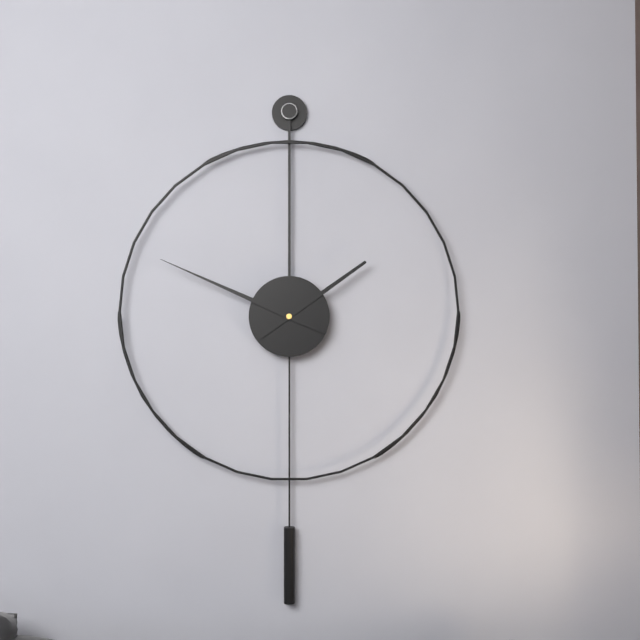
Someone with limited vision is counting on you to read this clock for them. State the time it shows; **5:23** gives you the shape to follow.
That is **1:49**
